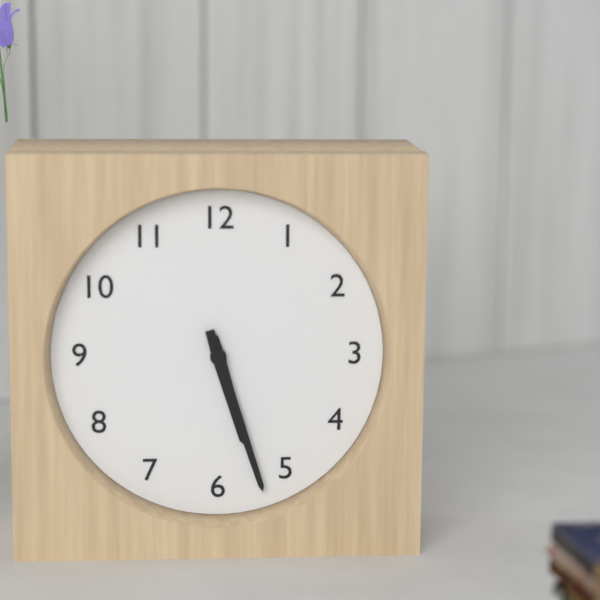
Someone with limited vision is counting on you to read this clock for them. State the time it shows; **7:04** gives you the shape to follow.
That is **5:27**
